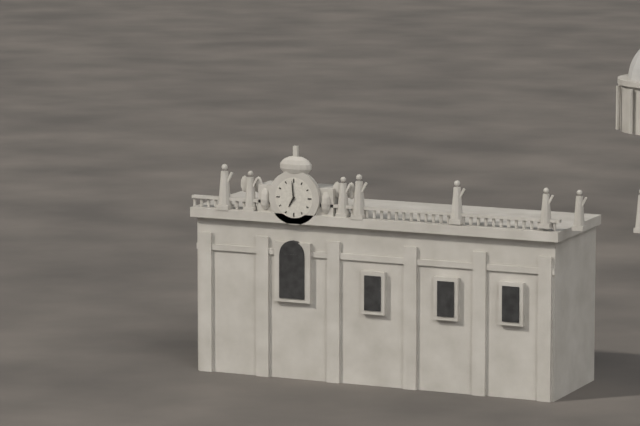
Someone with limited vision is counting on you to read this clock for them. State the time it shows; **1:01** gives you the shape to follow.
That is **6:59**
